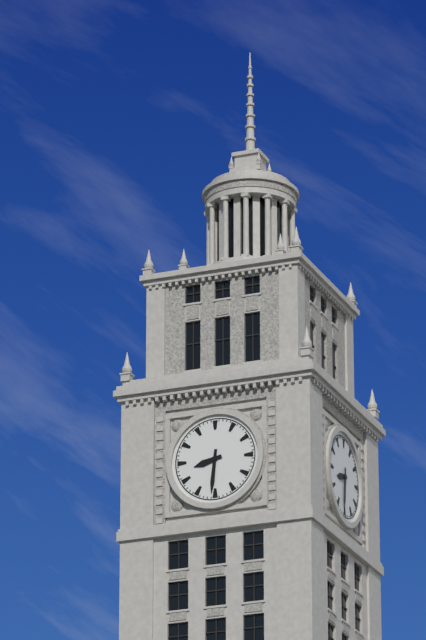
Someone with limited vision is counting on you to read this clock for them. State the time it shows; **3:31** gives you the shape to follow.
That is **8:31**
